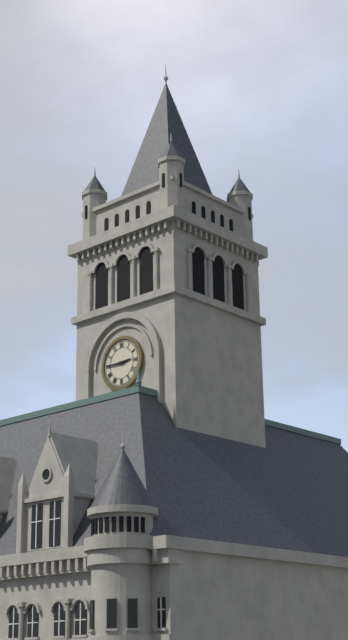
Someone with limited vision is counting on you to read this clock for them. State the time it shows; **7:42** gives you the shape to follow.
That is **2:45**
